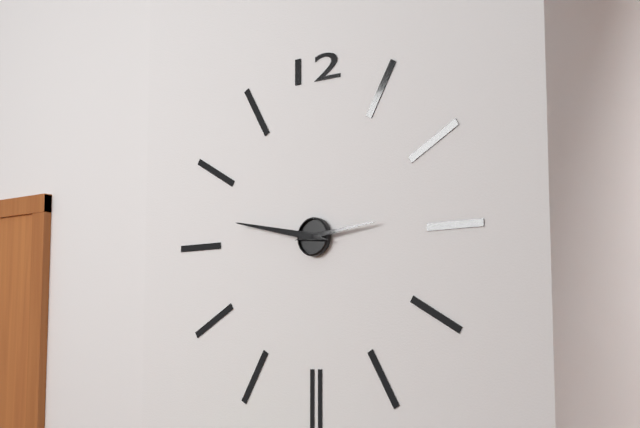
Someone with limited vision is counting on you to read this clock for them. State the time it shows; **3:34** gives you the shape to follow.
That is **2:47**
